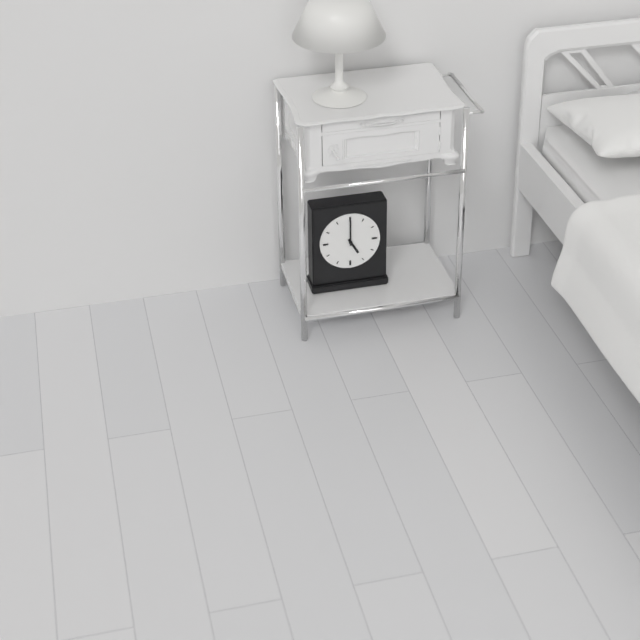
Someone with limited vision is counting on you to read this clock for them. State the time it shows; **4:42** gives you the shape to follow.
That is **5:00**
